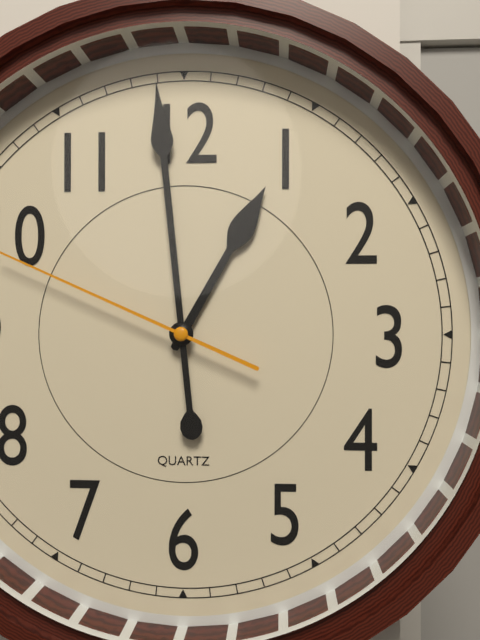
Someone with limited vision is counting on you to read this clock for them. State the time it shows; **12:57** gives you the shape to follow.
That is **12:59**
